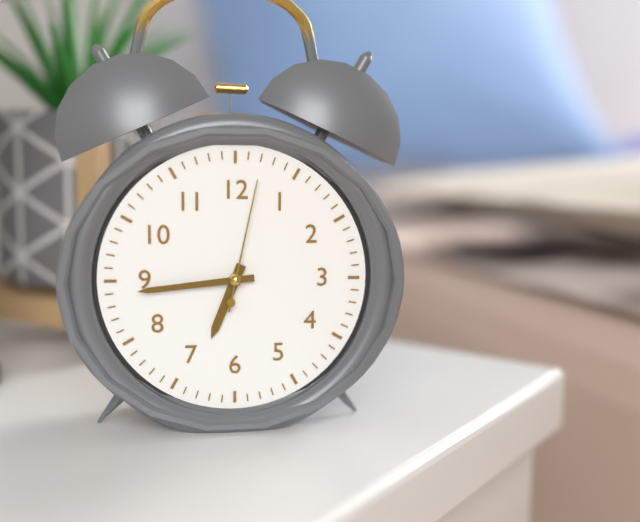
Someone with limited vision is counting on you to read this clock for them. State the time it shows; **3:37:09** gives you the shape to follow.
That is **6:44:02**
